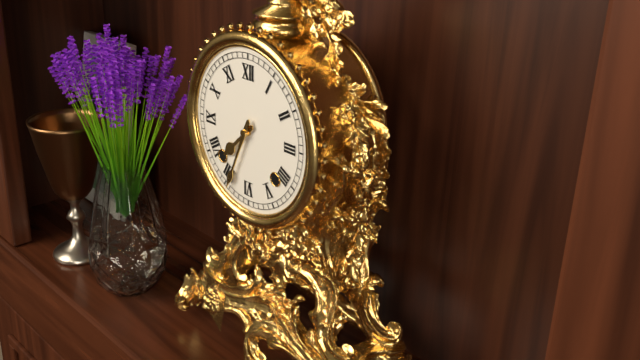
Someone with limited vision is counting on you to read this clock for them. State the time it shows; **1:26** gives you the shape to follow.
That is **7:34**
